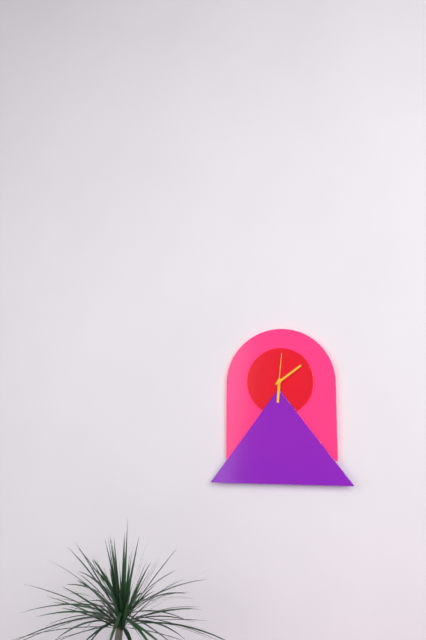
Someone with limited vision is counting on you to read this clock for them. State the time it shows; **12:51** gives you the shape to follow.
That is **6:09**
